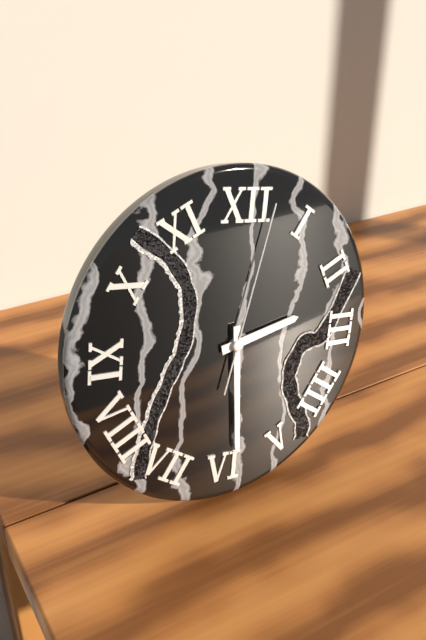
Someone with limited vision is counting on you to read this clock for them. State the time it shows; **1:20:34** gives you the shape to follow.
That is **2:29:02**
